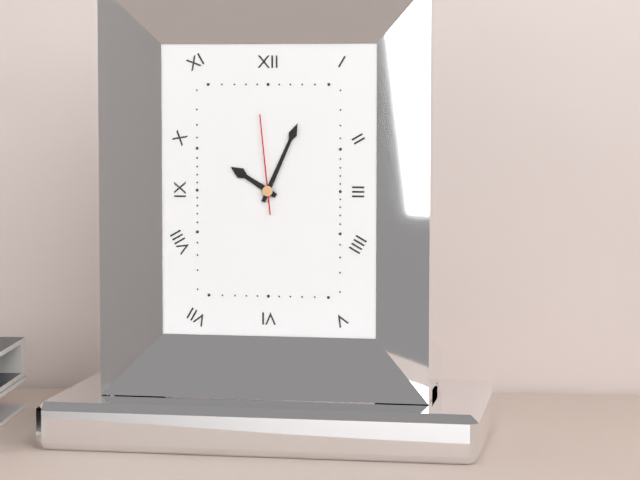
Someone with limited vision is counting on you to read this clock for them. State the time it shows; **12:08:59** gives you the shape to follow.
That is **10:04:59**
